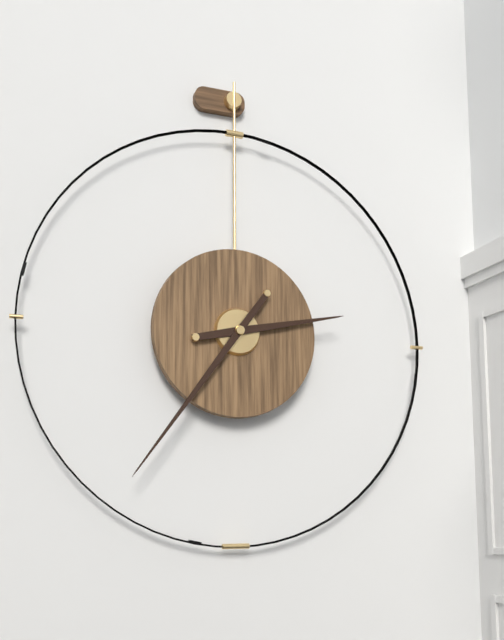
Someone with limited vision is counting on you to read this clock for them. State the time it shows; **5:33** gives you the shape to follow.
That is **2:36**
